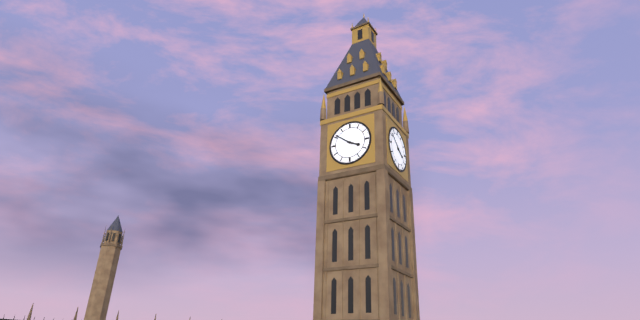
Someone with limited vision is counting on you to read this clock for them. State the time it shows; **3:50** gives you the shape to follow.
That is **3:51**
